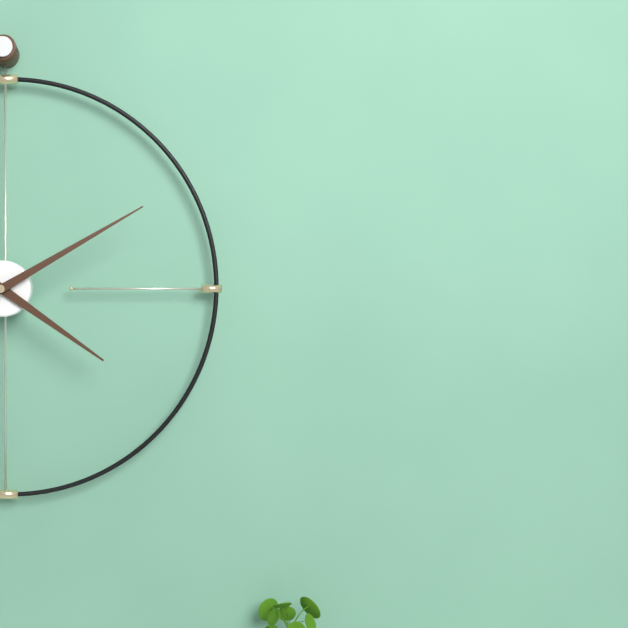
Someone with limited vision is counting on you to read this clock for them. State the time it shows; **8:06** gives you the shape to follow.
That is **4:10**
